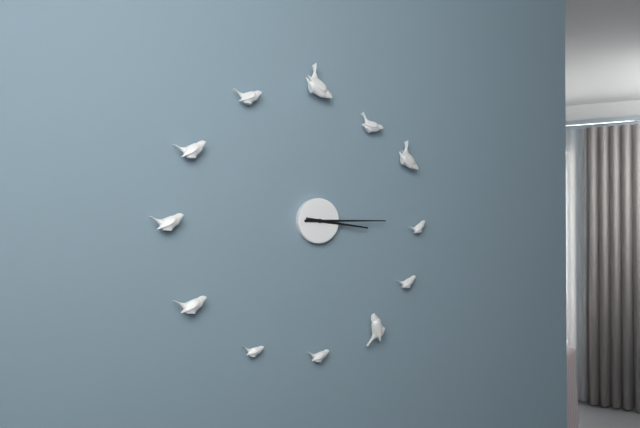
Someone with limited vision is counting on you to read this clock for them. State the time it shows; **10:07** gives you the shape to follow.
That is **3:15**
